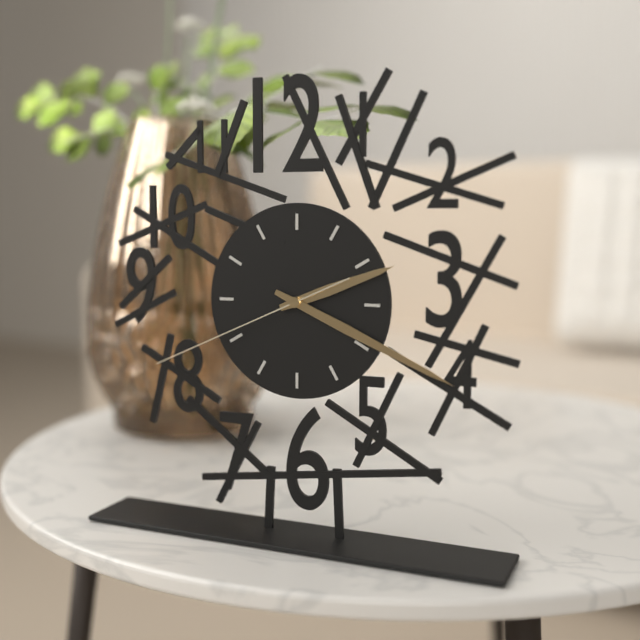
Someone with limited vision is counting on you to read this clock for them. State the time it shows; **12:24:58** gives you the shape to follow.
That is **2:19:41**
